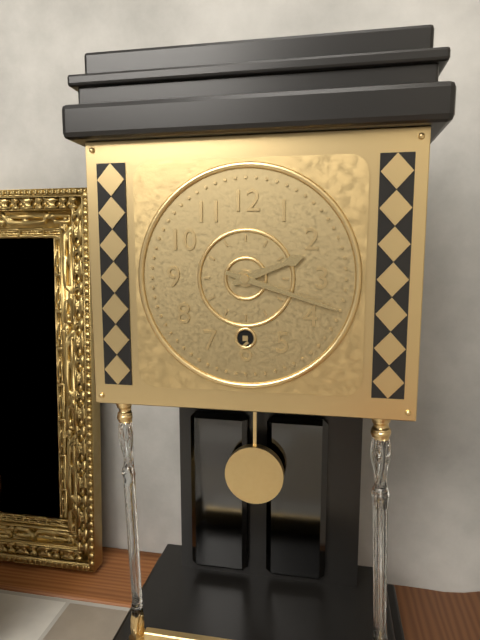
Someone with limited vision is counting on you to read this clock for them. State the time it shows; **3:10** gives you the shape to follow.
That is **2:18**
